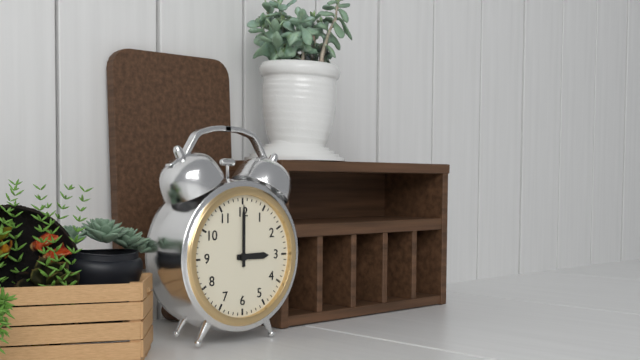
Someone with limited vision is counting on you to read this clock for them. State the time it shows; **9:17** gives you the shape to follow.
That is **3:00**
